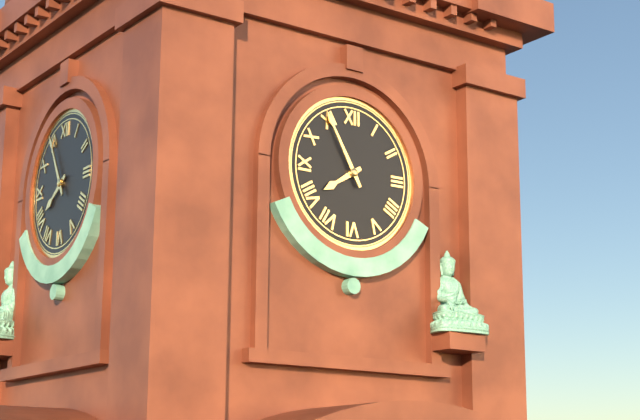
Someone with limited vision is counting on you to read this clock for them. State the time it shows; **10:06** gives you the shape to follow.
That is **7:55**
